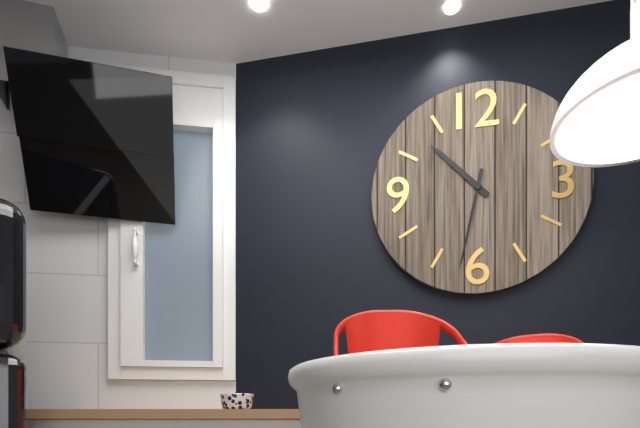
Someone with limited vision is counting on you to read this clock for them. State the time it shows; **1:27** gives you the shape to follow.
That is **10:32**
